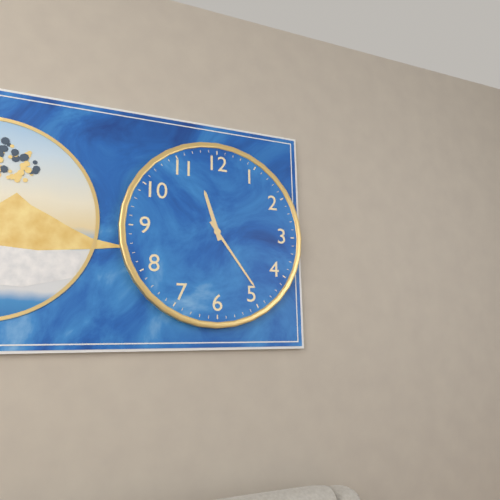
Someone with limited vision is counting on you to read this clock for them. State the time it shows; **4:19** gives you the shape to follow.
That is **11:24**
